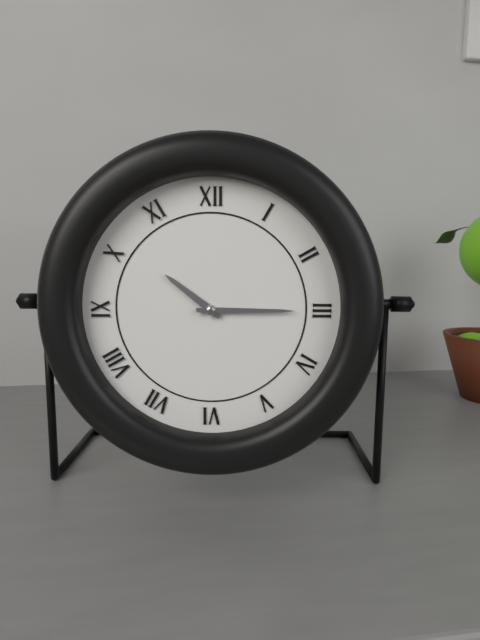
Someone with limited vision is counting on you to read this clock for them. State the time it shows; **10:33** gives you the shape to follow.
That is **10:15**
